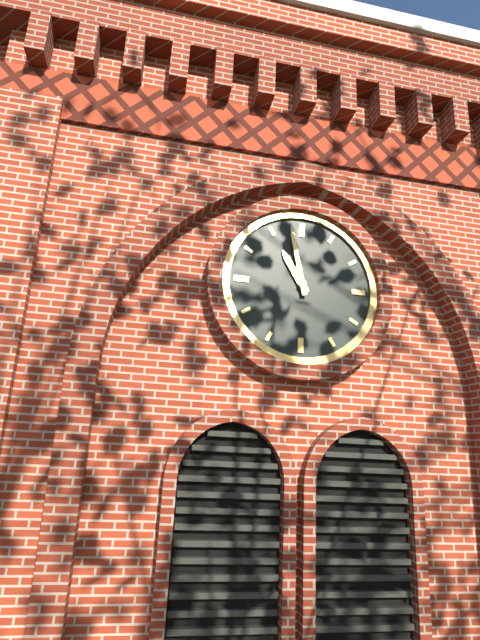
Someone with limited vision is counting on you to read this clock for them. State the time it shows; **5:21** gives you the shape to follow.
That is **10:58**
